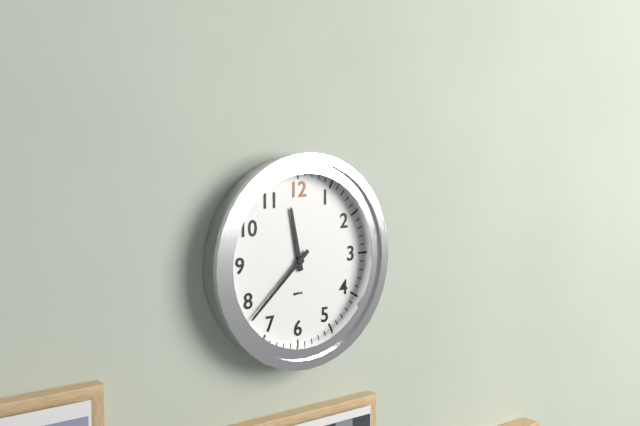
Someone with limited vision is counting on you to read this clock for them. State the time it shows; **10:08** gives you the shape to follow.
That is **11:38**
